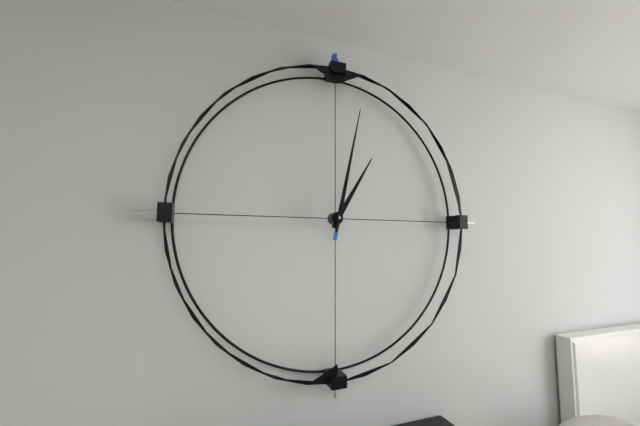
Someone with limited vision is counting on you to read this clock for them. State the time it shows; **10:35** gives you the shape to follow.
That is **1:02**
